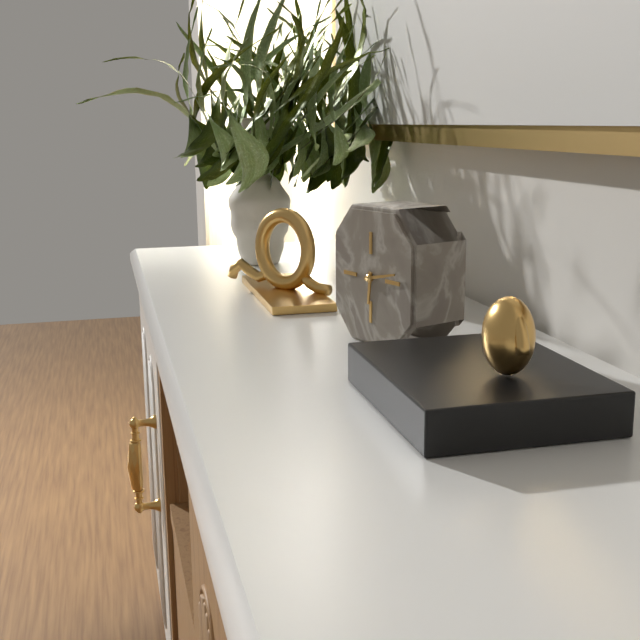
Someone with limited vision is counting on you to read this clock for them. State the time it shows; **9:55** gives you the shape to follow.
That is **6:13**
